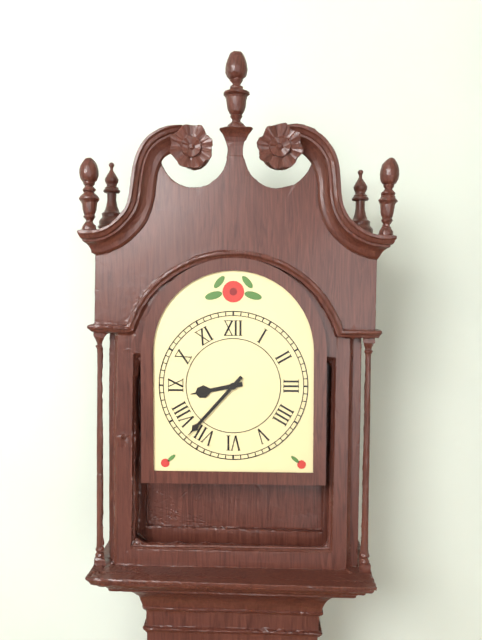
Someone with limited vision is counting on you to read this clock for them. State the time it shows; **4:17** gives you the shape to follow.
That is **8:37**
